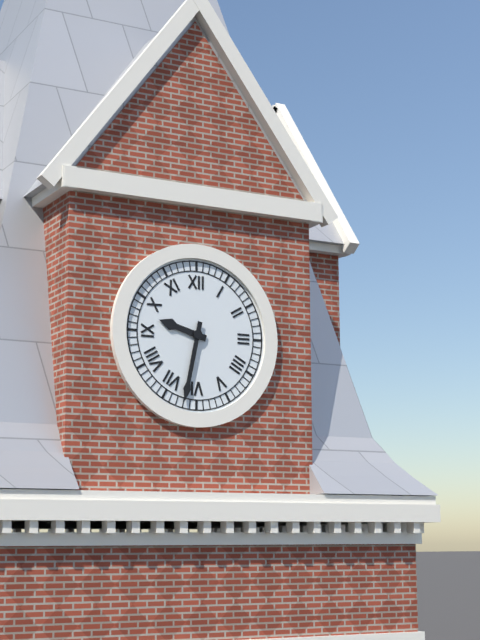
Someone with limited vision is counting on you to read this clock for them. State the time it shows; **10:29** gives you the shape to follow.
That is **9:32**
